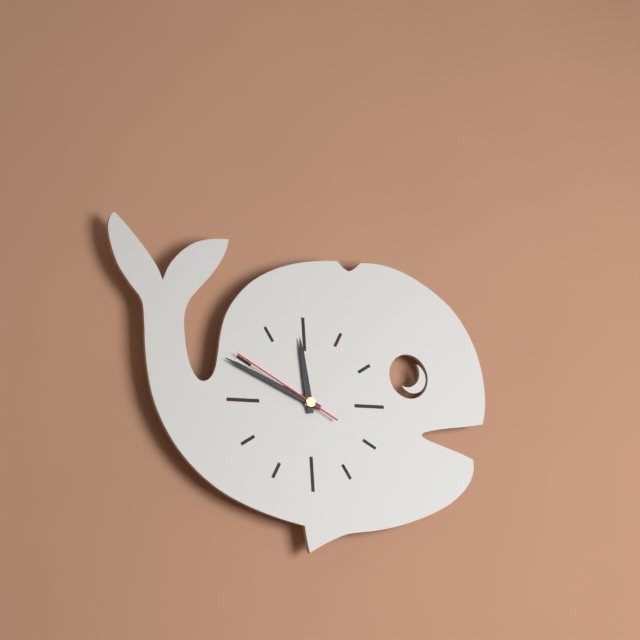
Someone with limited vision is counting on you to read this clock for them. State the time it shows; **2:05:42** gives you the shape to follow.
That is **11:49:50**
